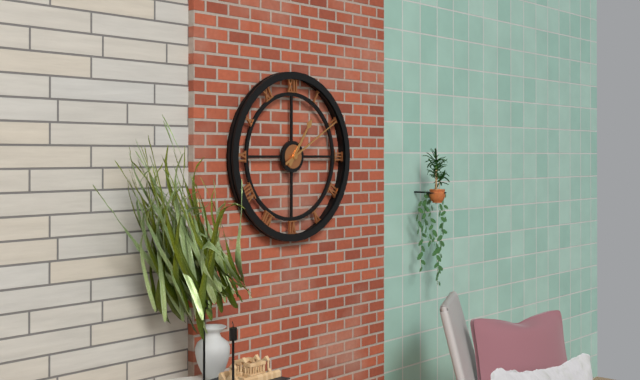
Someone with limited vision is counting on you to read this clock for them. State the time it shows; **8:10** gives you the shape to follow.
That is **1:10**
